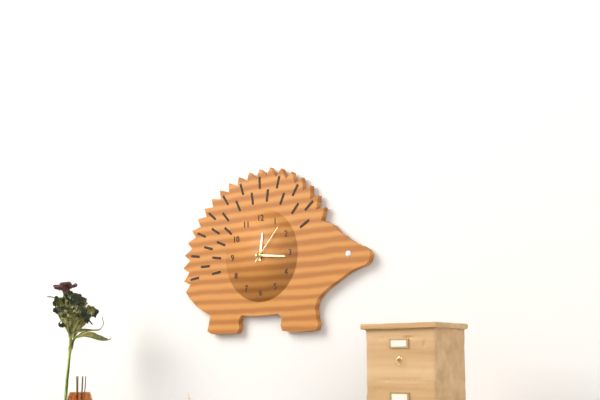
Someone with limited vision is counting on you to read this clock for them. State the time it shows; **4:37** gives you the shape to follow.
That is **12:16**
